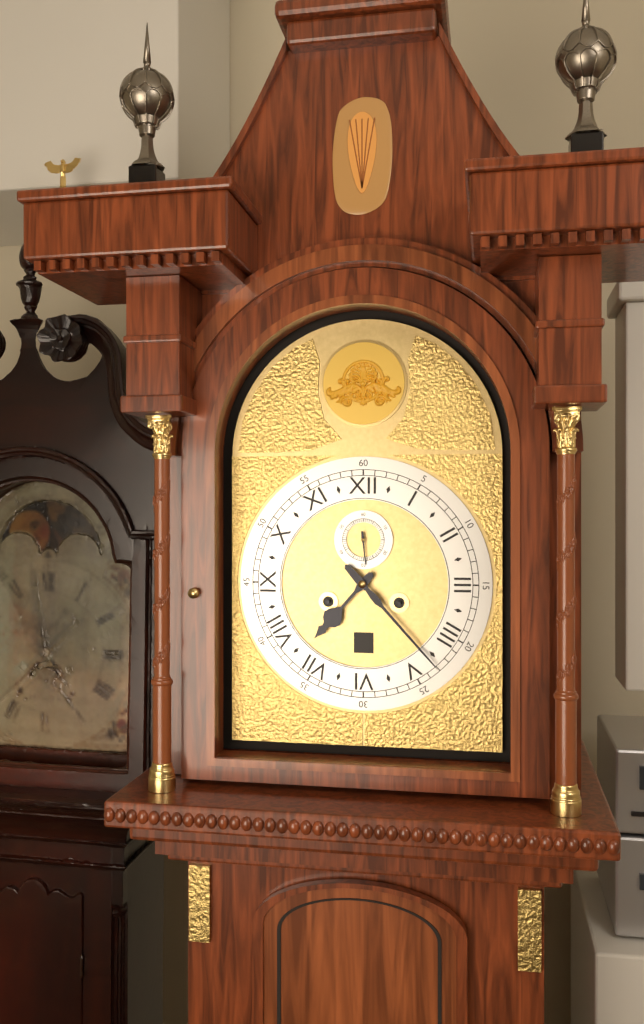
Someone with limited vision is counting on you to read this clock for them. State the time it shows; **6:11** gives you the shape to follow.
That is **7:23**
